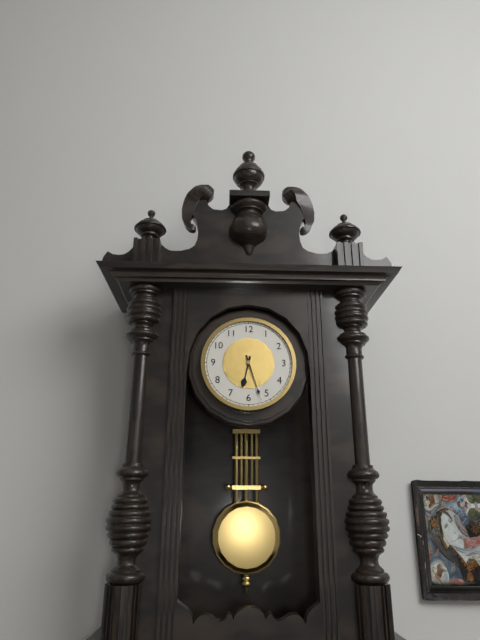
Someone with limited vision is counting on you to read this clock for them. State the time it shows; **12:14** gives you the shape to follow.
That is **6:27**
